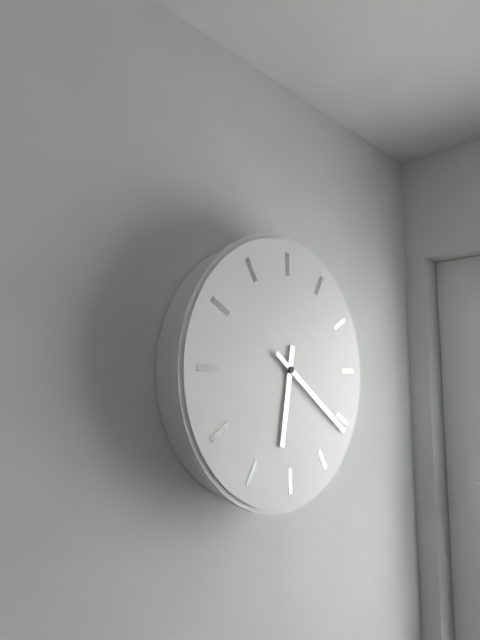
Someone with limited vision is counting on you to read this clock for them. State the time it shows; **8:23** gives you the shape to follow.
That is **6:21**
